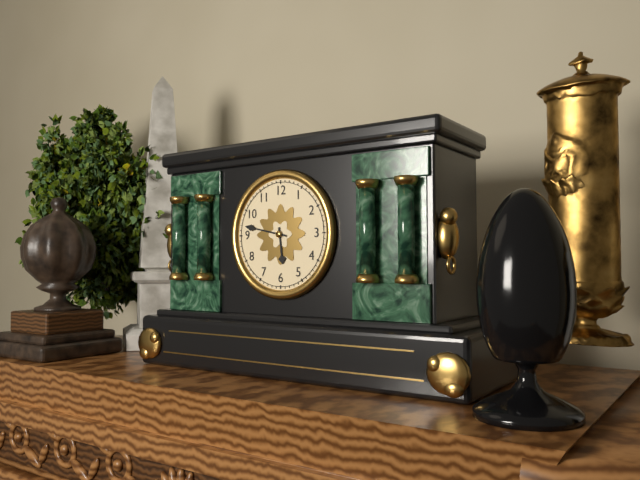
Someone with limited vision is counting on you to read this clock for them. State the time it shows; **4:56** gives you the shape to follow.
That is **5:47**
